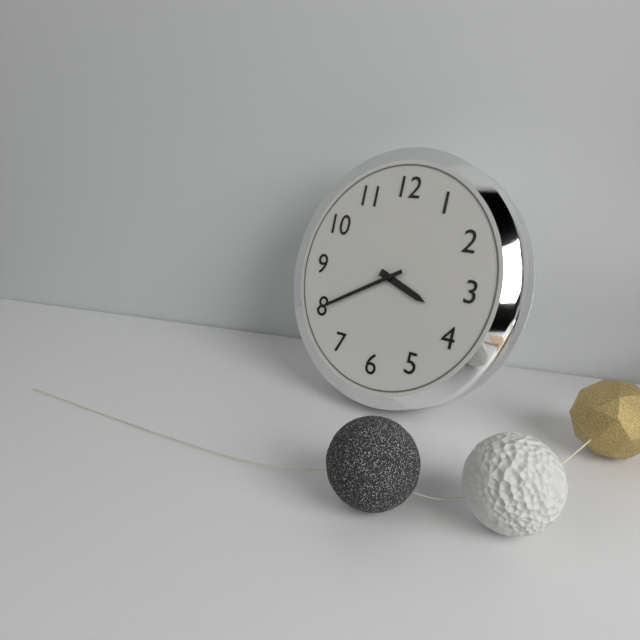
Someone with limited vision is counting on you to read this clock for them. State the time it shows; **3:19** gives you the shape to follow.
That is **3:40**
